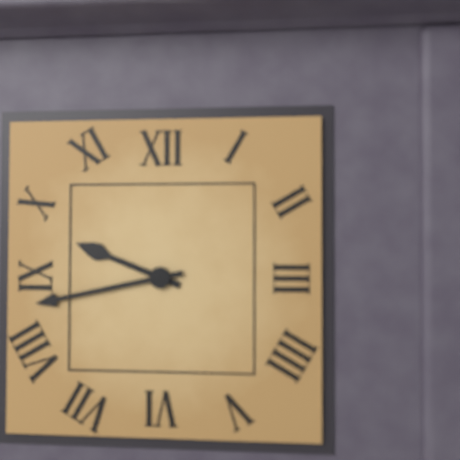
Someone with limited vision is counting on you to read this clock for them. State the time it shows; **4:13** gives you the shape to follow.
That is **9:43**
